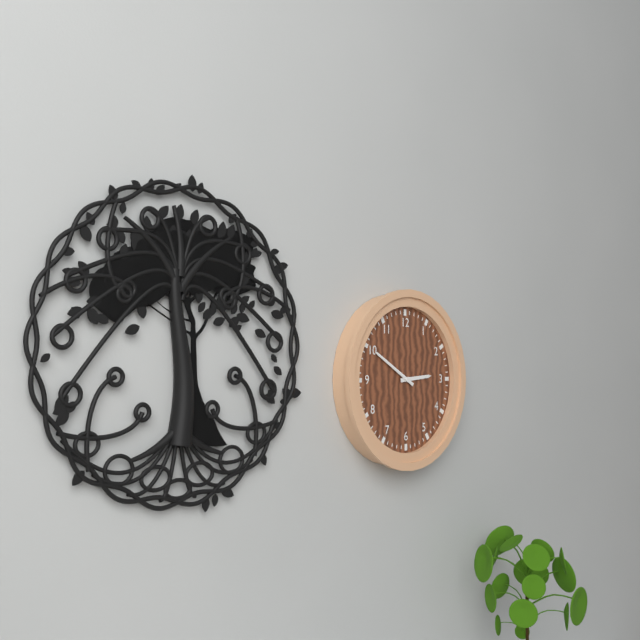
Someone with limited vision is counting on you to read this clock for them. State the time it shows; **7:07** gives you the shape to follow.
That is **2:50**
